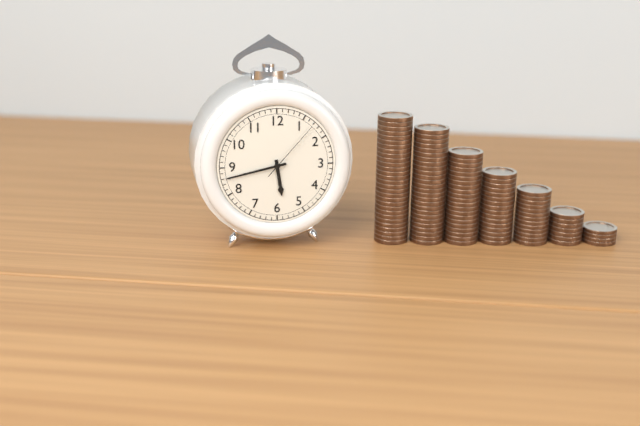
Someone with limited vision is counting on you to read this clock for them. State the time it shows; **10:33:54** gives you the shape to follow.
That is **5:43:07**
